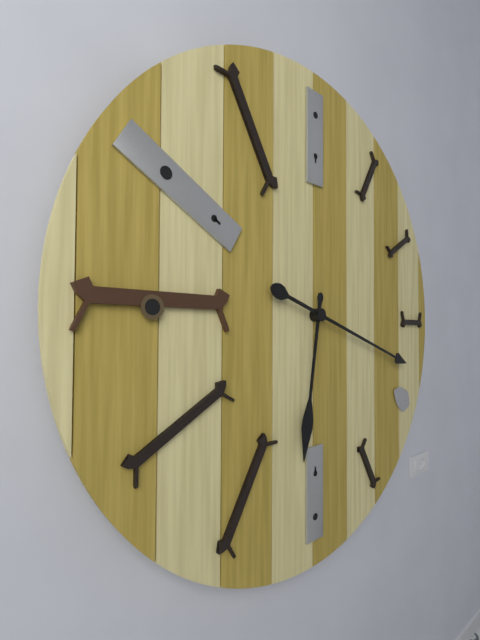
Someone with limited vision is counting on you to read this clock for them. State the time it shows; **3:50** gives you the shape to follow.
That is **6:18**
